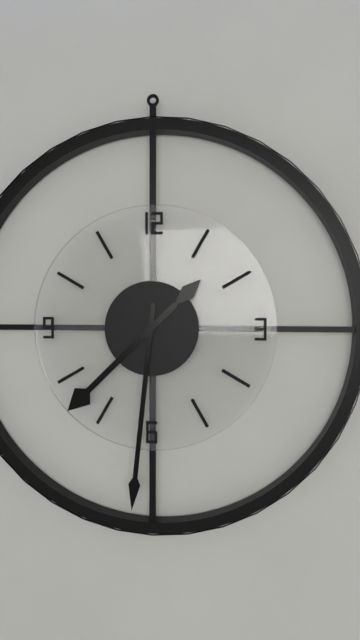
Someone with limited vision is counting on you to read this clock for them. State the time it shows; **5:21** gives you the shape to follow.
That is **7:31**
